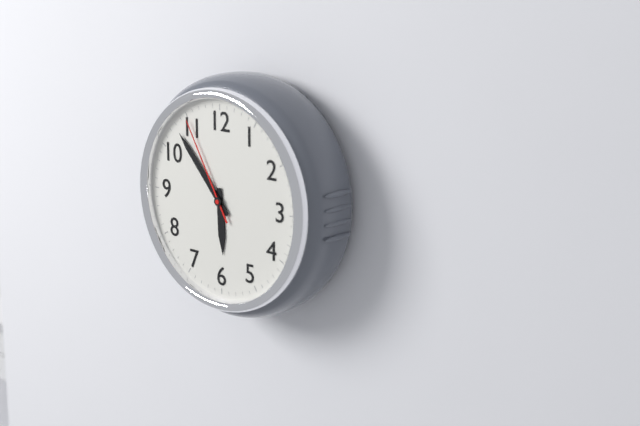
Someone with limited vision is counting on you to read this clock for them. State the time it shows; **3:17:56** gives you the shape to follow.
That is **5:53:55**
